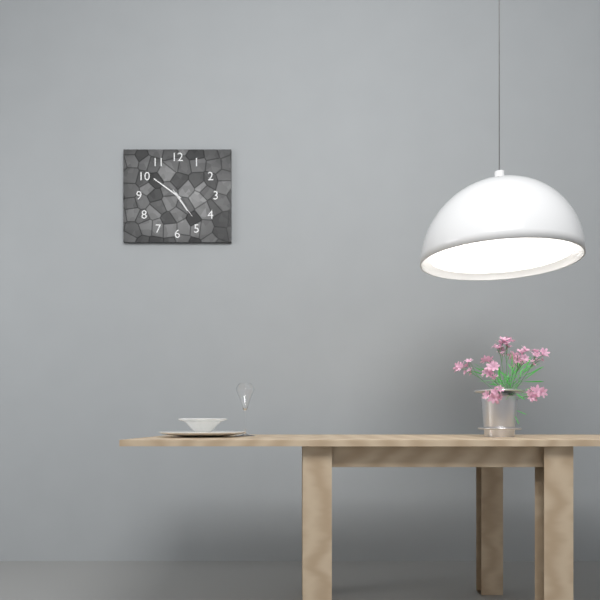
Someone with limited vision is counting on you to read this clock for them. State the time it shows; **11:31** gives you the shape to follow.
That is **4:51**
